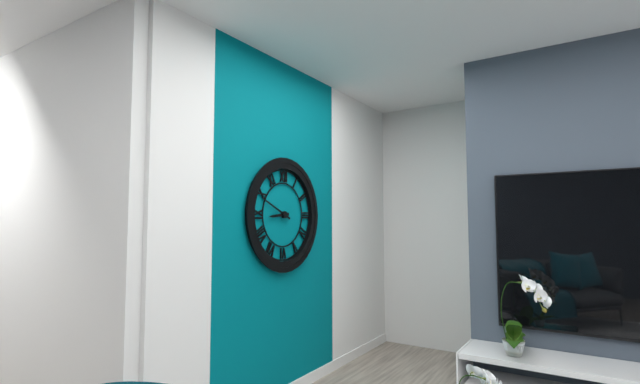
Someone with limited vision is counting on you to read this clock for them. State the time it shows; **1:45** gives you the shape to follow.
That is **8:49**
